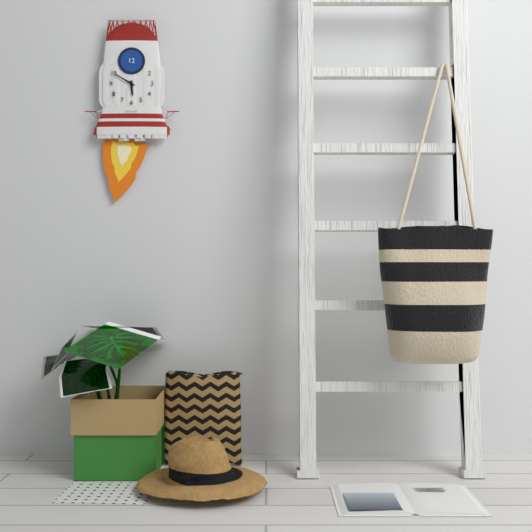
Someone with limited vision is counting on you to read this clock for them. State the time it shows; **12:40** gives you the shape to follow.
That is **5:50**
